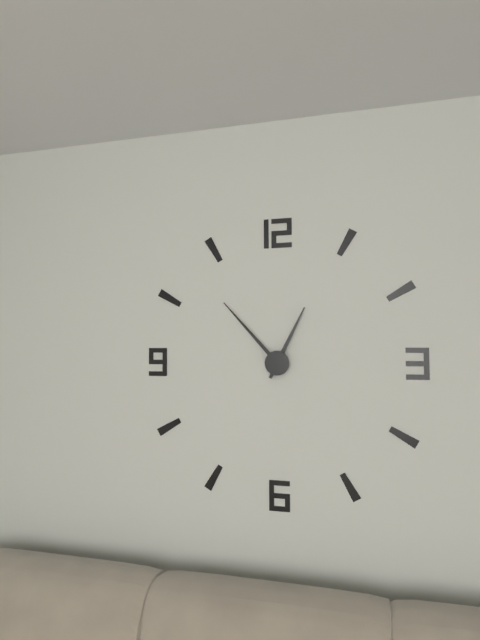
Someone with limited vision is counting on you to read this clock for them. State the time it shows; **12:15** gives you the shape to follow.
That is **12:53**
